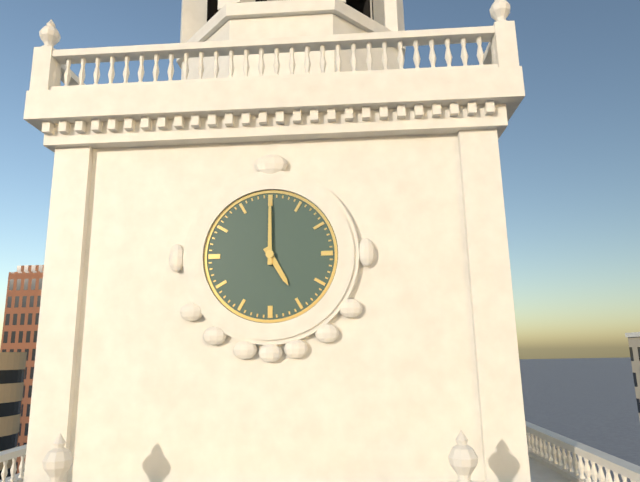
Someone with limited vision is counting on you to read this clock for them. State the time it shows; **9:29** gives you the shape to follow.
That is **5:00**
